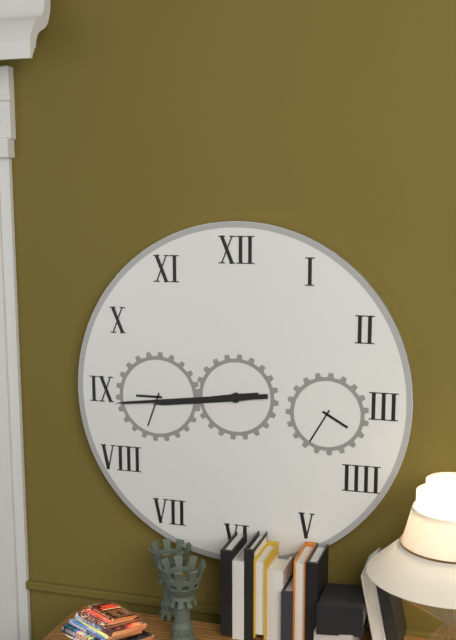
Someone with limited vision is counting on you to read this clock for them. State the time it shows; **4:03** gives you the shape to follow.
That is **8:44**
